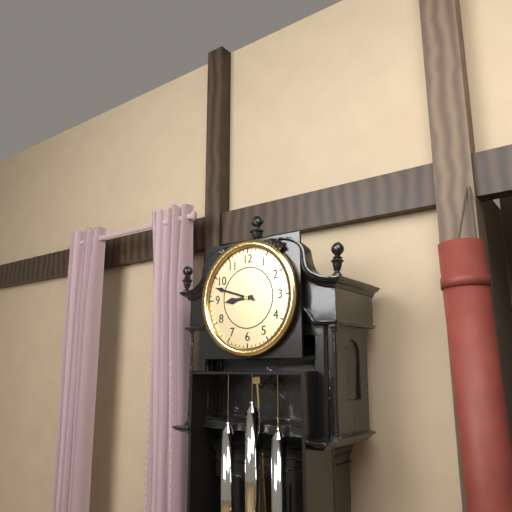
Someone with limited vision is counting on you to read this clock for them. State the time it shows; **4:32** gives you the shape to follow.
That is **8:48**
